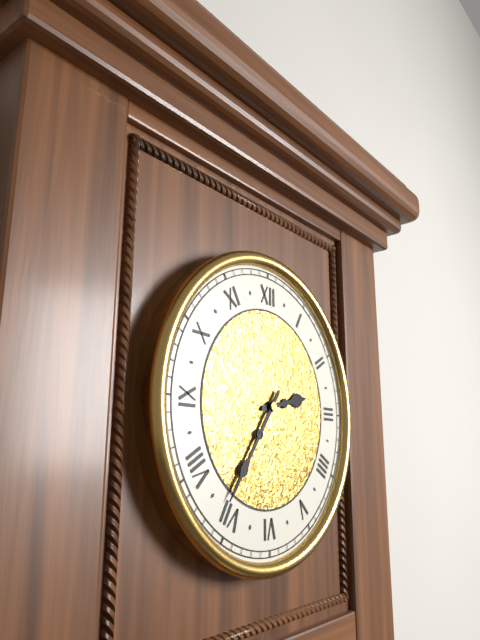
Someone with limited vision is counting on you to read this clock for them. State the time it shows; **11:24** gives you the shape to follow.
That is **2:36**
